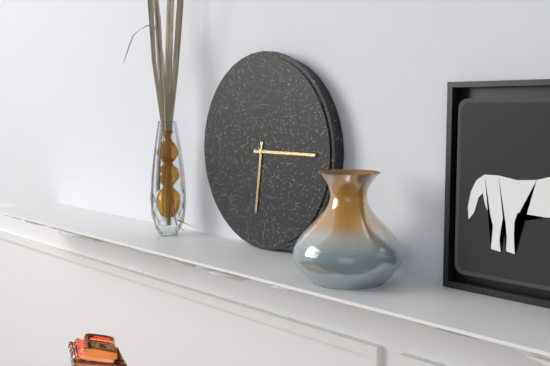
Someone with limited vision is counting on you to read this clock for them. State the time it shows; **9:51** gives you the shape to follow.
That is **6:15**
